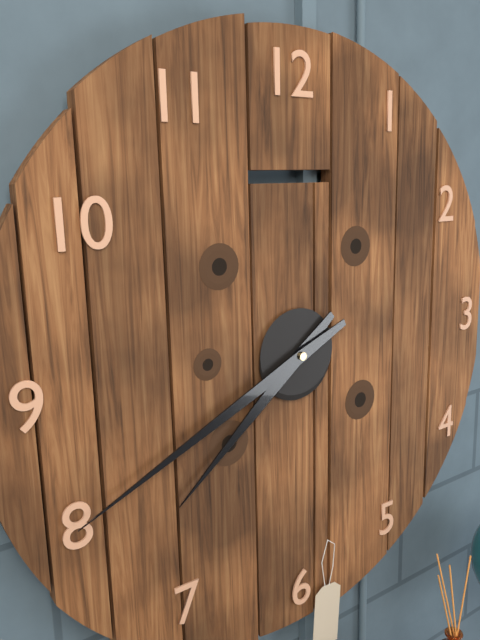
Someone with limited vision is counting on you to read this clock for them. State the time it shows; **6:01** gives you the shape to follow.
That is **7:41**
